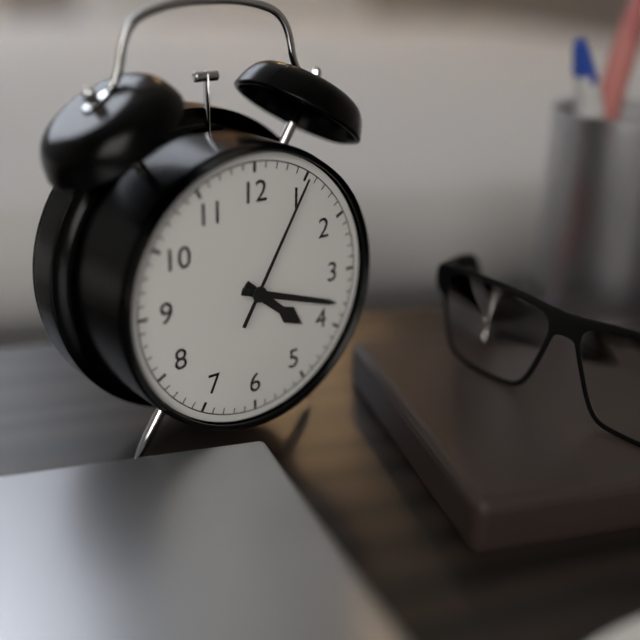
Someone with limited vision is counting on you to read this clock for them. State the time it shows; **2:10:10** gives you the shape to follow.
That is **4:18:05**
